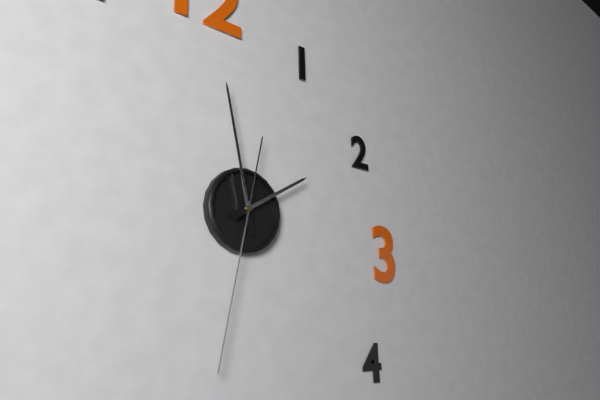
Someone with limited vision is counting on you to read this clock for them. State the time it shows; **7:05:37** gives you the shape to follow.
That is **1:58:32**
